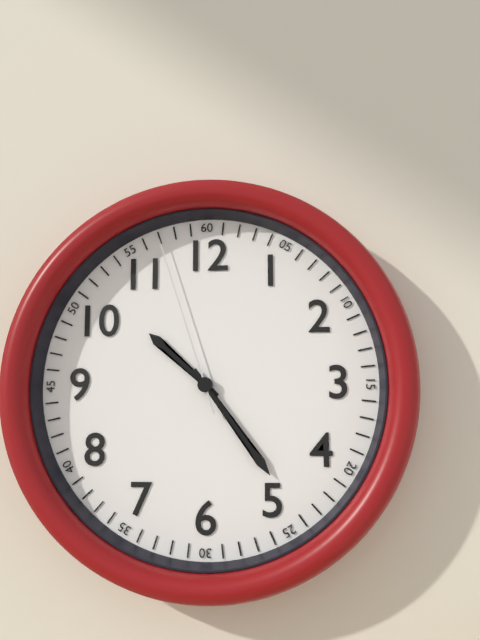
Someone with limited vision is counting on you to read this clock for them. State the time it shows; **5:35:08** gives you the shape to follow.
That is **10:24:57**
